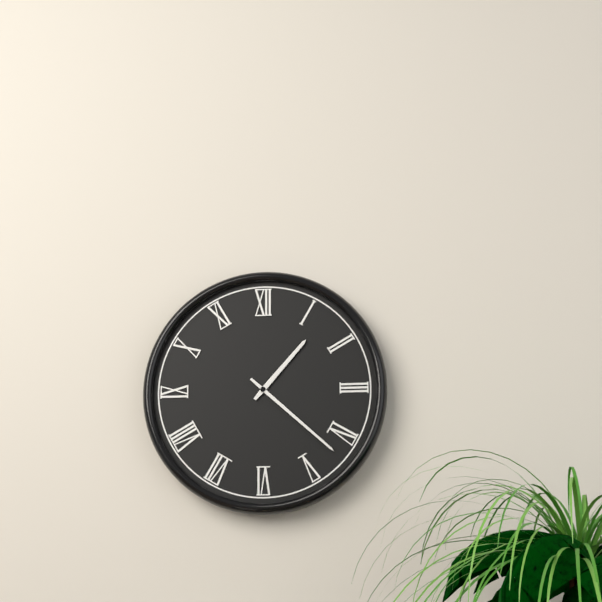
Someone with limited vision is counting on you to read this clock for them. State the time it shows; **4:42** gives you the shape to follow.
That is **1:22**
